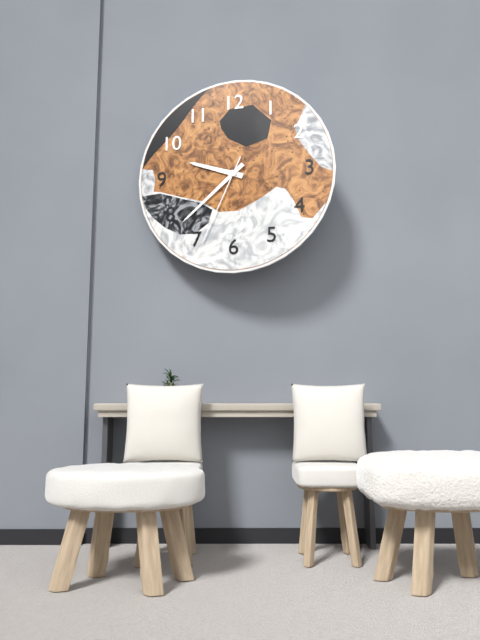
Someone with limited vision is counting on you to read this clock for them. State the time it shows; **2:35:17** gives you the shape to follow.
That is **9:38:34**
